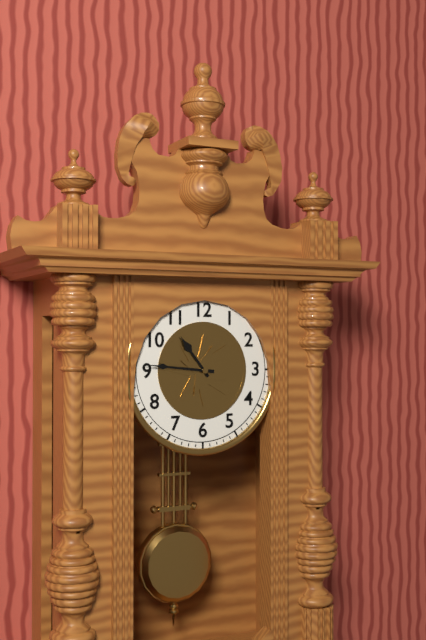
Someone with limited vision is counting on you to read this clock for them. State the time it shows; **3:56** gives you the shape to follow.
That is **10:46**
